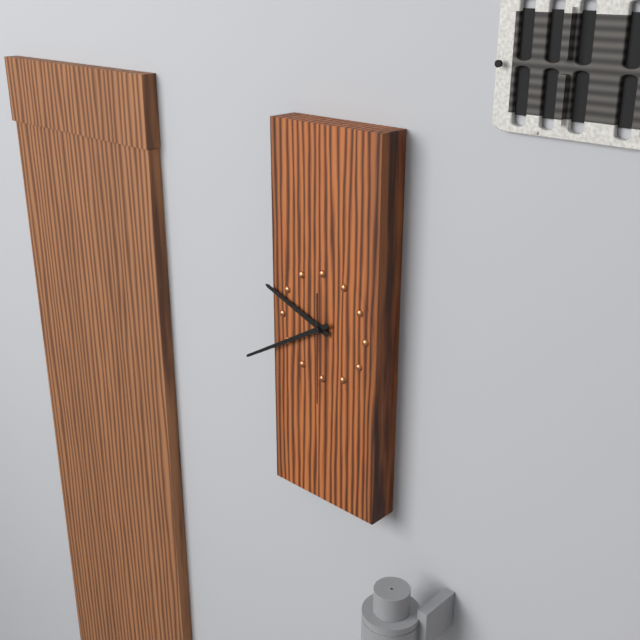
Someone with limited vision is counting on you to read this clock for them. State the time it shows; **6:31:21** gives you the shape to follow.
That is **9:40:30**
